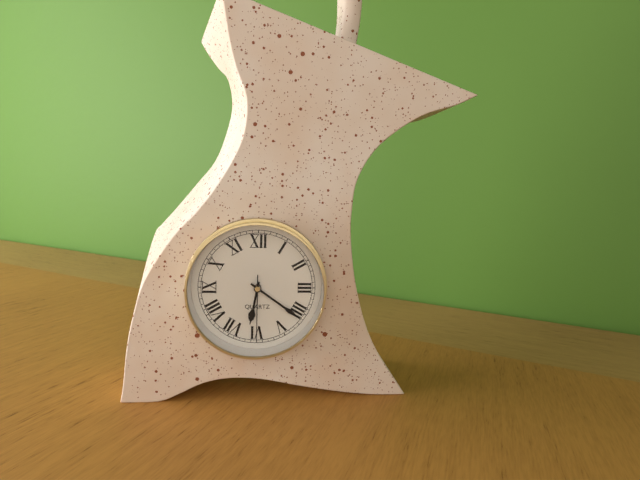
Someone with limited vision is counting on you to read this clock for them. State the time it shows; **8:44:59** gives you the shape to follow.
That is **6:21:30**
